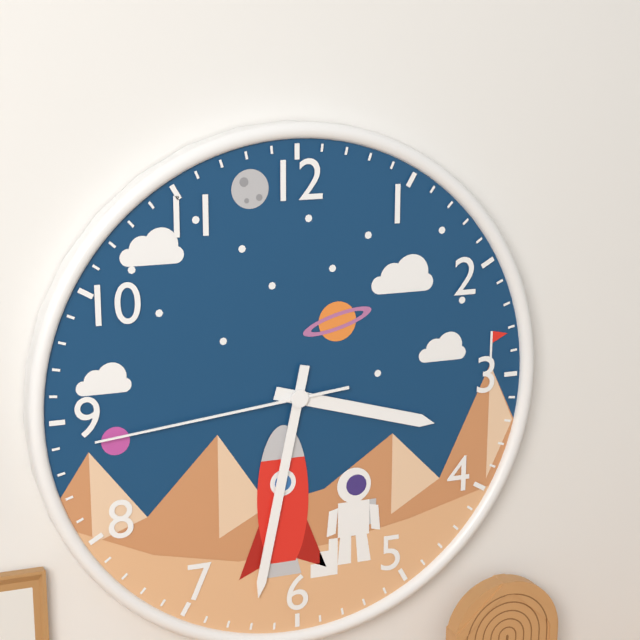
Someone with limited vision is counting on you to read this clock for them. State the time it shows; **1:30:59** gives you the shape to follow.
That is **3:32:44**
